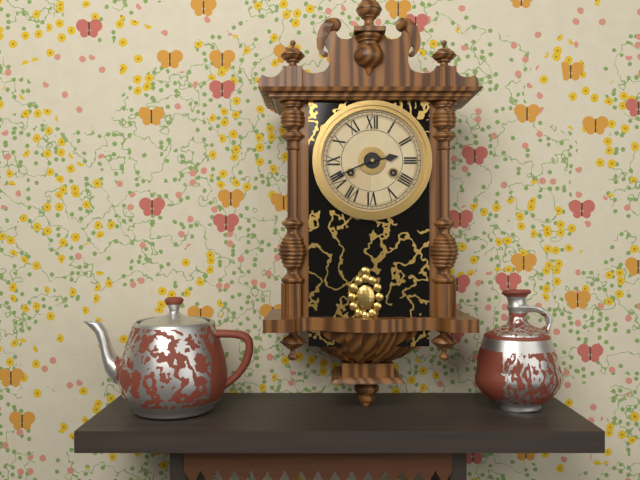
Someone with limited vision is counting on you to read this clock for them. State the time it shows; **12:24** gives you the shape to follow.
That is **2:41**
